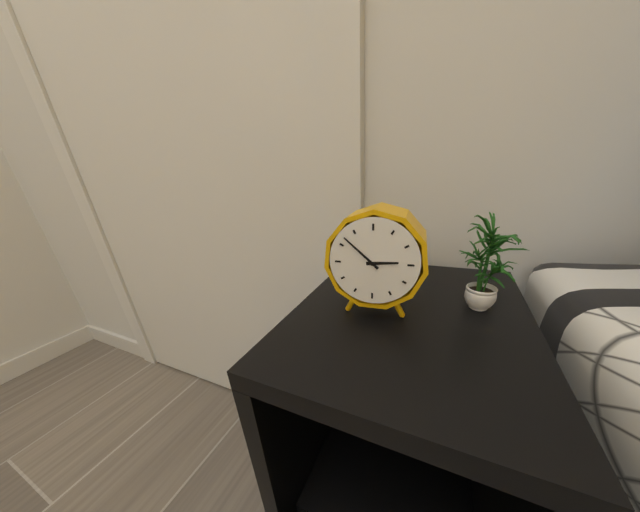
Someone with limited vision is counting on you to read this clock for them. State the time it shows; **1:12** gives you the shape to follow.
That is **2:52**
